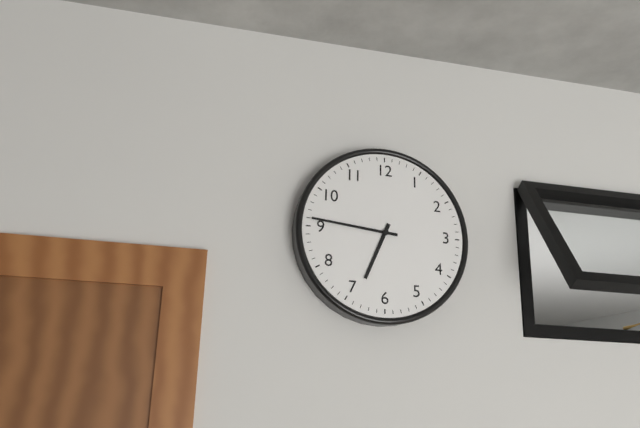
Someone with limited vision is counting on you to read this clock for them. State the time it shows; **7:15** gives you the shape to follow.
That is **6:46**
